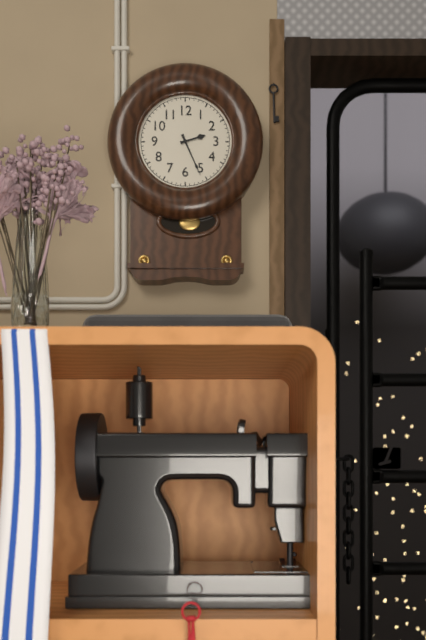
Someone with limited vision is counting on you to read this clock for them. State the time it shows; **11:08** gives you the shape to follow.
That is **2:26**
